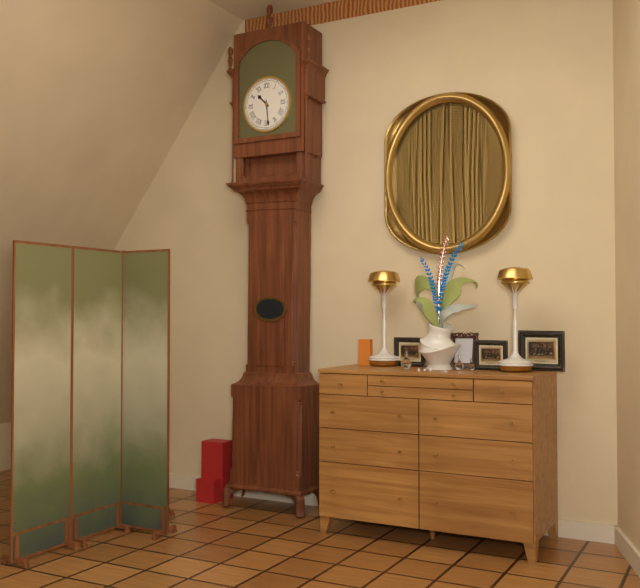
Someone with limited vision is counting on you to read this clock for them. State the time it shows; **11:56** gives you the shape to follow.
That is **10:29**
